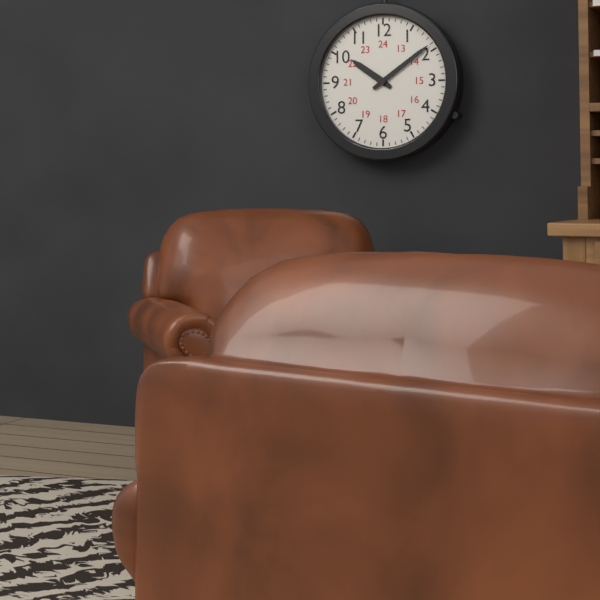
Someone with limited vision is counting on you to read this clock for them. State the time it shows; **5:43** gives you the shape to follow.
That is **10:09**
